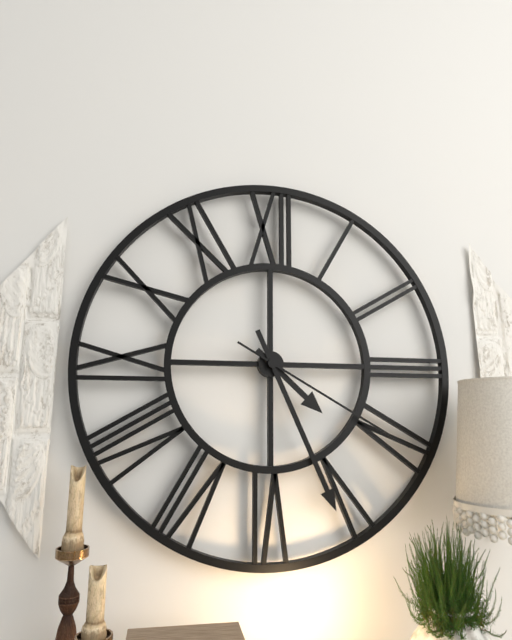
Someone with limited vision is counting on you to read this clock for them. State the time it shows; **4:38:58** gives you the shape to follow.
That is **4:26:20**
